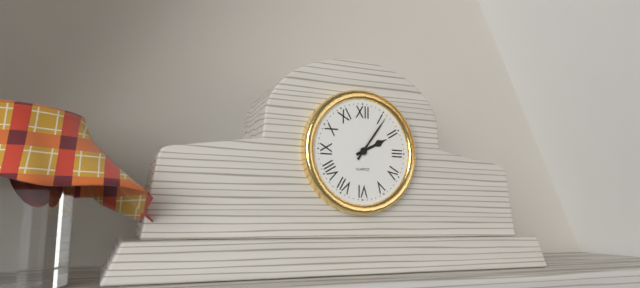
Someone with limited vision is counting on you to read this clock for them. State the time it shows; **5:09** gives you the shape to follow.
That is **2:06**
